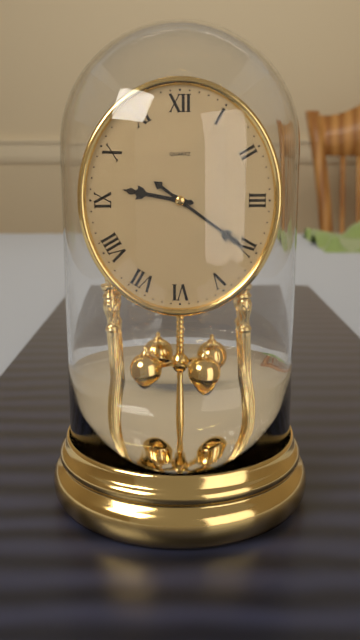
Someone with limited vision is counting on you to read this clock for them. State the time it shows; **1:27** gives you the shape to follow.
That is **9:21**
